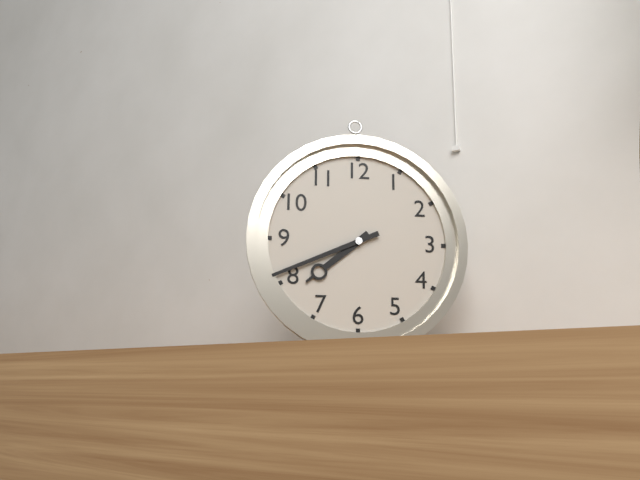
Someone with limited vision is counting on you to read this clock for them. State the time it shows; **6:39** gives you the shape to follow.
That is **7:41**
